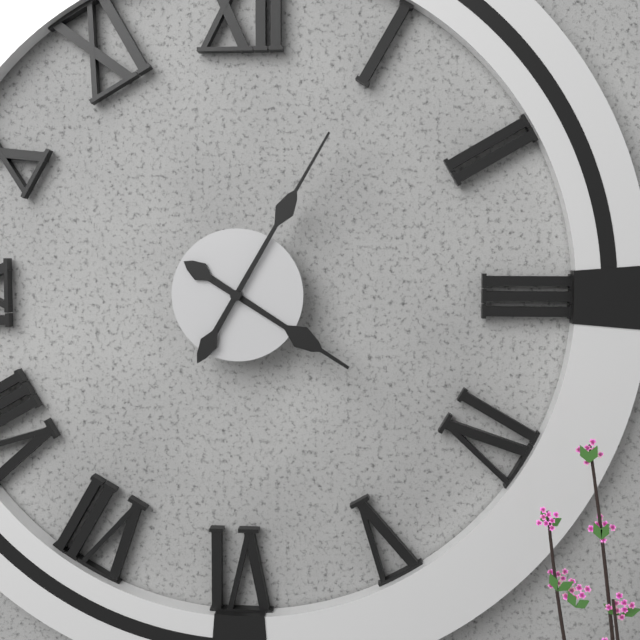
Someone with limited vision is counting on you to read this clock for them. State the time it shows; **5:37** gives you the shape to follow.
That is **4:05**
